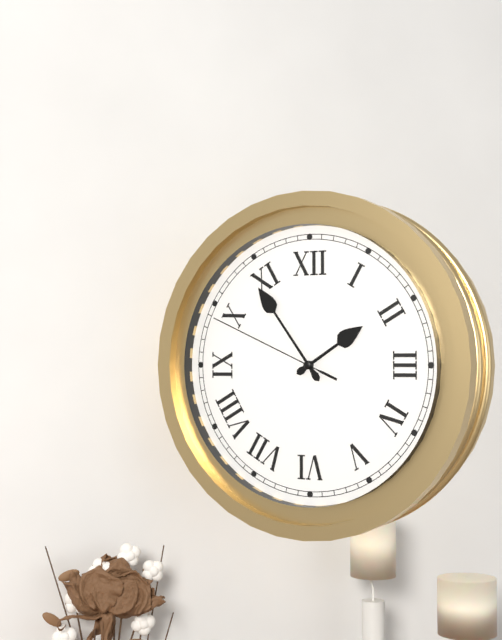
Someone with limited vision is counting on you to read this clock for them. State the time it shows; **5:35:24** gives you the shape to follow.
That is **1:54:49**
